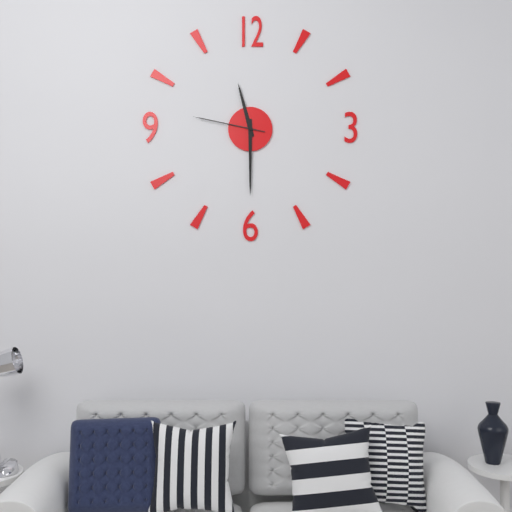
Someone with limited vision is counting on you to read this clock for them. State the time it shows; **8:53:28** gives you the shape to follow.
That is **11:30:47**
